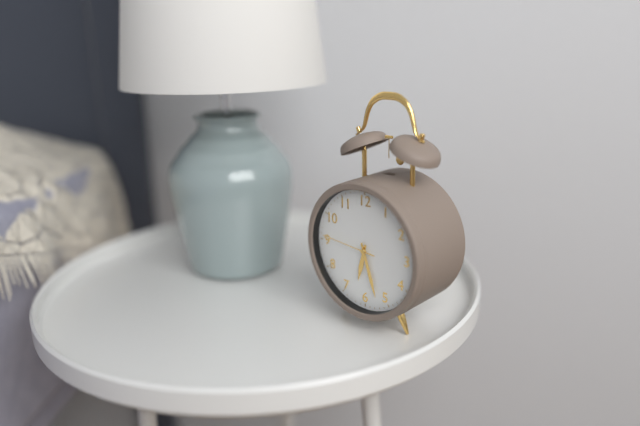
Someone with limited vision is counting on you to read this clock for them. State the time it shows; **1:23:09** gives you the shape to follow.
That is **6:27:46**
